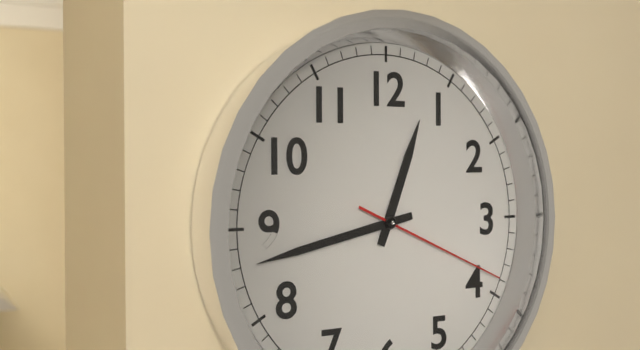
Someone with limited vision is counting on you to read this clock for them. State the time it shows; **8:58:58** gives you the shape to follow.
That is **12:43:19**
